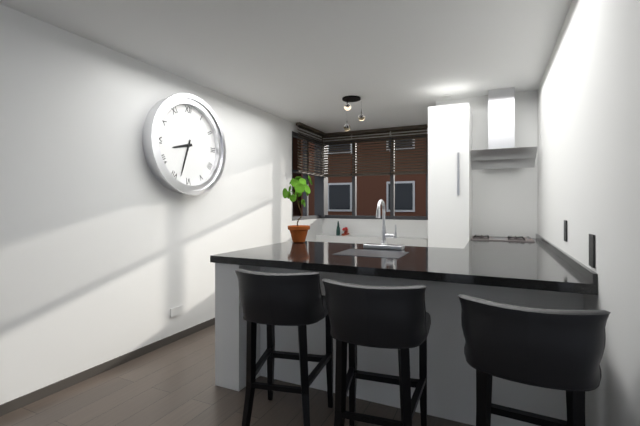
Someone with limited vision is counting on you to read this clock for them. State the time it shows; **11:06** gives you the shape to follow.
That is **8:33**
